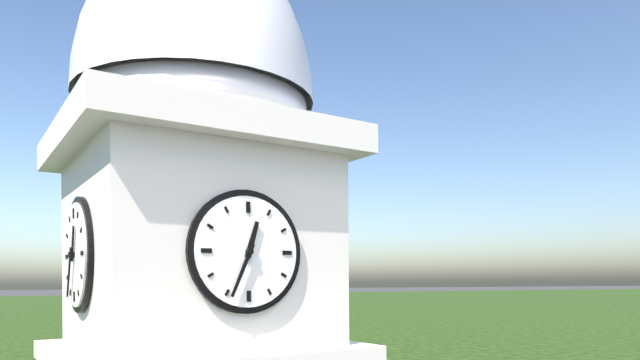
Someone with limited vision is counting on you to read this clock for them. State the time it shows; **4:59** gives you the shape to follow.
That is **12:34**
